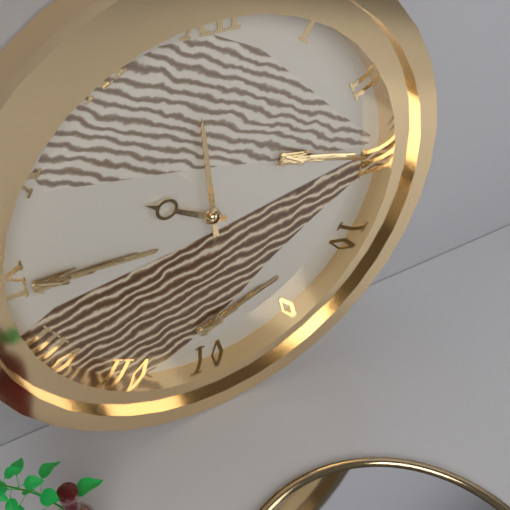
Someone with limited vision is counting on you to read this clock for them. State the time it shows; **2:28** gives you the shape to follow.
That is **9:59**
